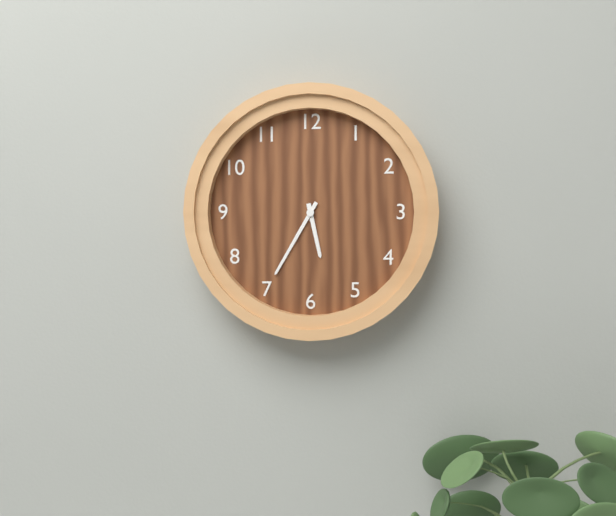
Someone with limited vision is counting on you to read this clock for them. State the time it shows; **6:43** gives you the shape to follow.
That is **5:35**
